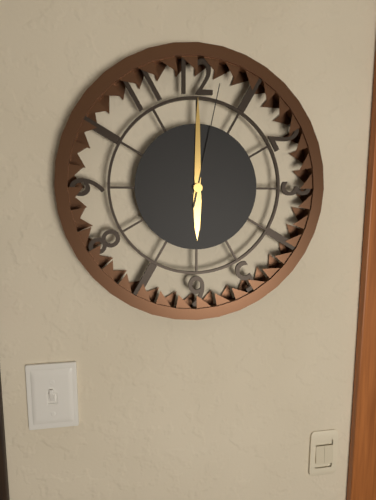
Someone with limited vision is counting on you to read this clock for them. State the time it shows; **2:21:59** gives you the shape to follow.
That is **6:00:02**
